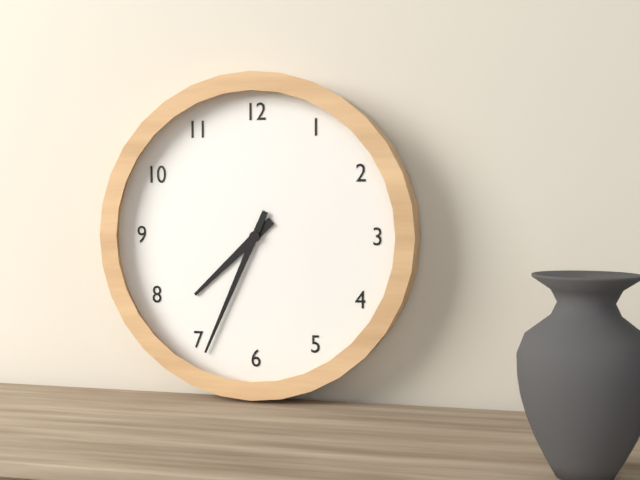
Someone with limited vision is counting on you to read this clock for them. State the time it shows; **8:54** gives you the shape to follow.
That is **7:34**
